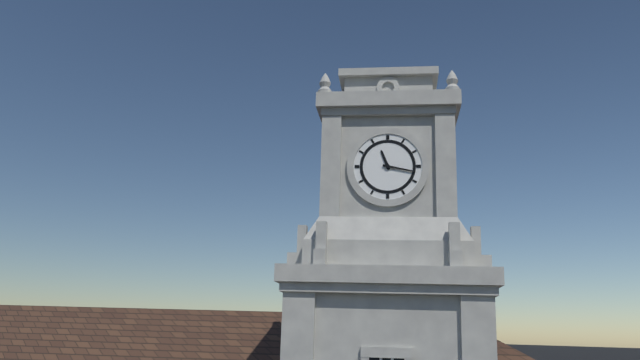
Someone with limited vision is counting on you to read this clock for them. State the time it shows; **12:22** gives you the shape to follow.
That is **11:17**
